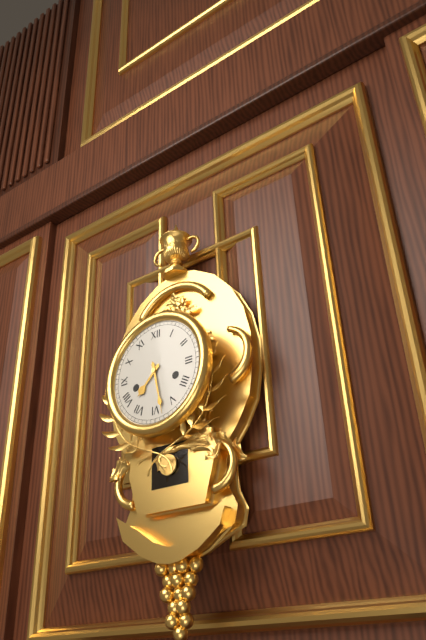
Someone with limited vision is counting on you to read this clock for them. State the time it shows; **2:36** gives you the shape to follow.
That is **7:28**
